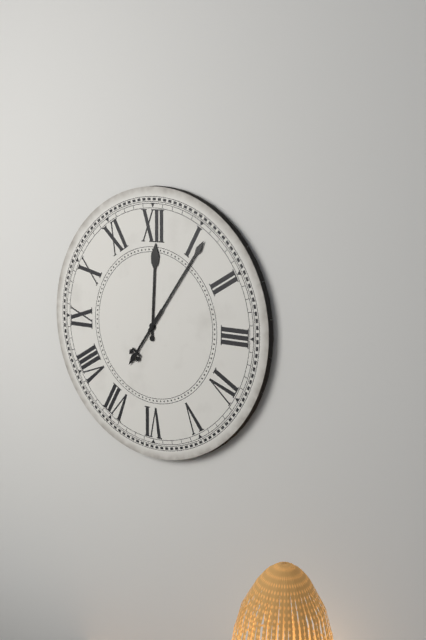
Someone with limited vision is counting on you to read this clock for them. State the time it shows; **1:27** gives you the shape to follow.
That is **12:06**
